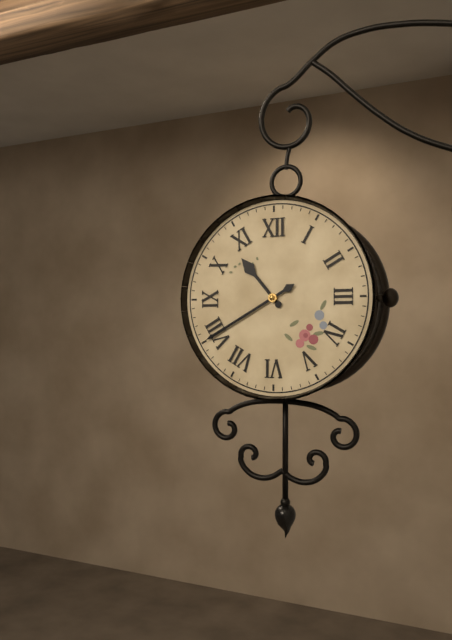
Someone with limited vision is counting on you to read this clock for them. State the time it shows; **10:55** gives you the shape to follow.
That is **10:40**
